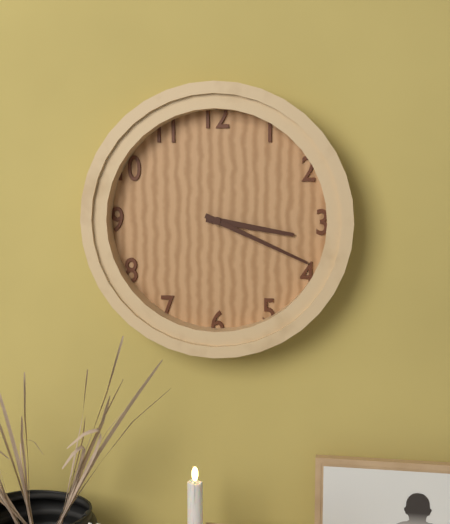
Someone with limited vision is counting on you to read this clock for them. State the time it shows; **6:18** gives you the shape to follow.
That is **3:19**
